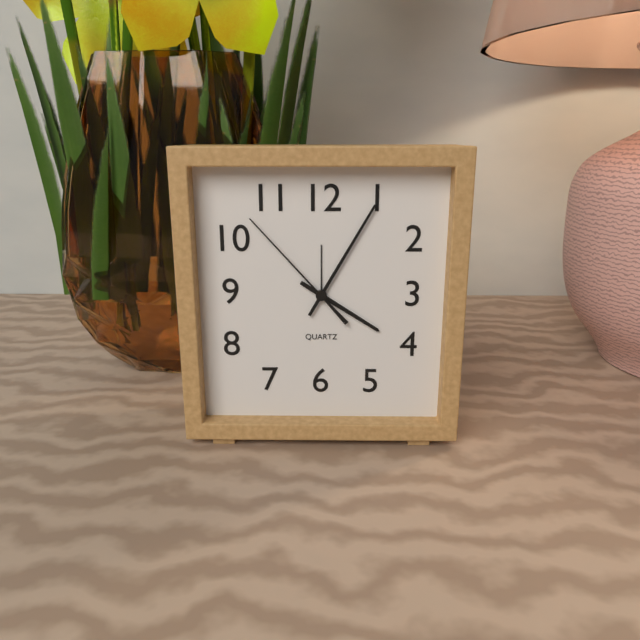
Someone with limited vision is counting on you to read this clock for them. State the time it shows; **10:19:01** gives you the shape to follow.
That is **4:05:53**
